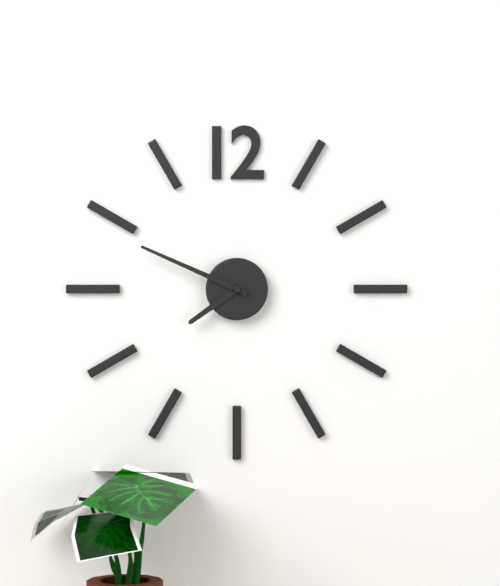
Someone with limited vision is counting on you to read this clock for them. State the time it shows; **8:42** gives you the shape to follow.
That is **7:49**
